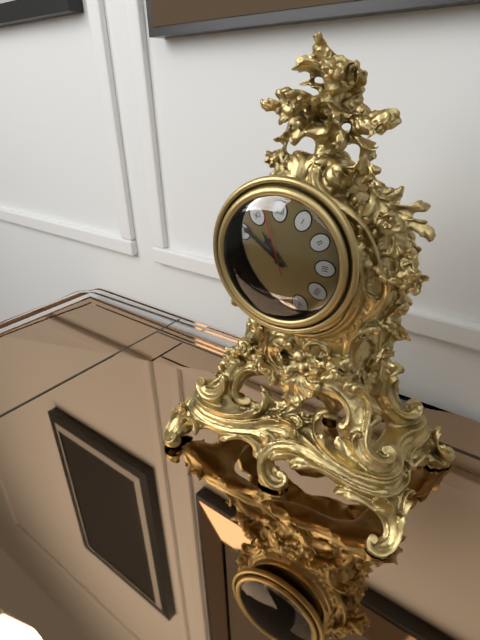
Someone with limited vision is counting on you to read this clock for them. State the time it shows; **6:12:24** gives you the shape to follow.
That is **10:51:57**
